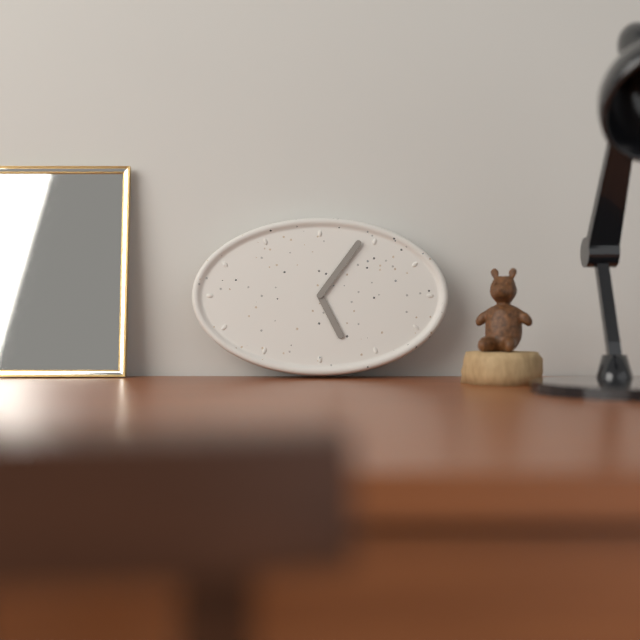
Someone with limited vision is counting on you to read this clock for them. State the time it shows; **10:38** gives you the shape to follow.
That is **5:06**
